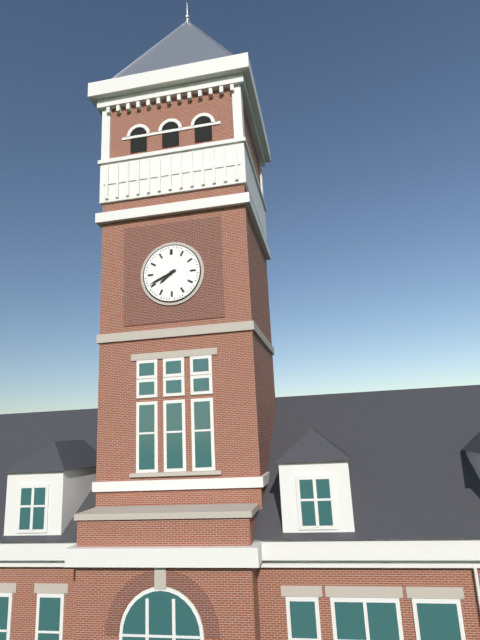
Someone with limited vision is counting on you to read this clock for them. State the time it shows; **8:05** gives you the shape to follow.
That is **7:41**
